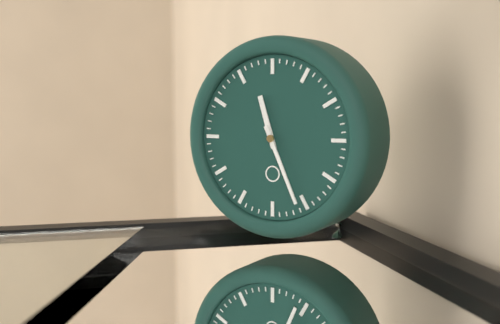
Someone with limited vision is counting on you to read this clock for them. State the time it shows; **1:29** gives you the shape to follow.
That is **11:26**
